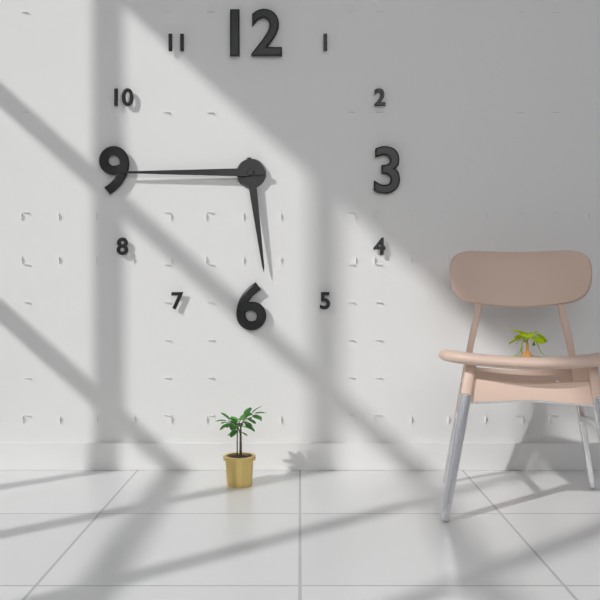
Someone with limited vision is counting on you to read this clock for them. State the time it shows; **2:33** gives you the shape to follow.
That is **5:45**
